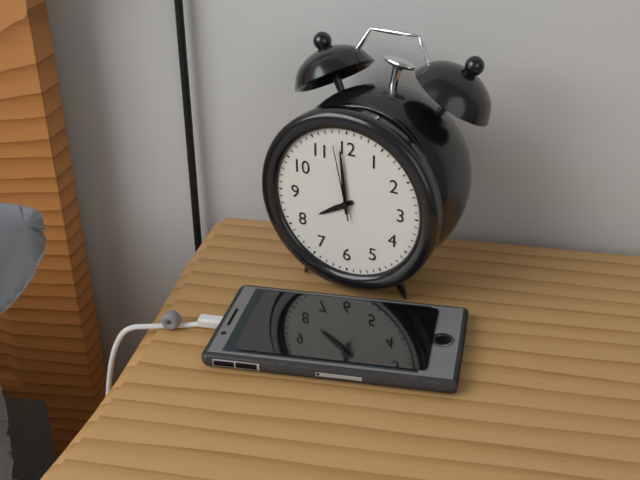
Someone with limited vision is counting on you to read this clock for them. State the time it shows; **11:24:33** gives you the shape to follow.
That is **7:59:58**
